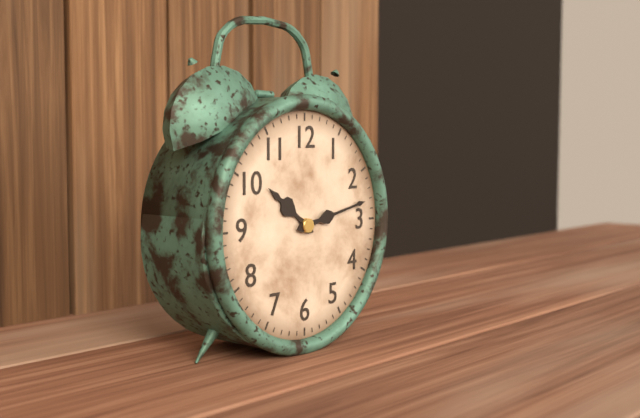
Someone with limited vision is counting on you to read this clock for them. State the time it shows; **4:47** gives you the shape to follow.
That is **10:13**
